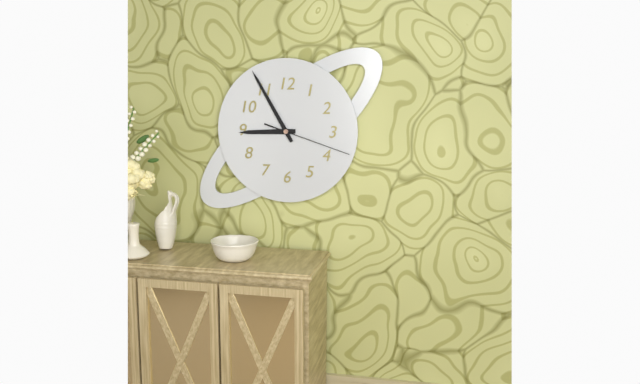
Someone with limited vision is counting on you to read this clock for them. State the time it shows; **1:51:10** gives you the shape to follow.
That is **8:55:18**
